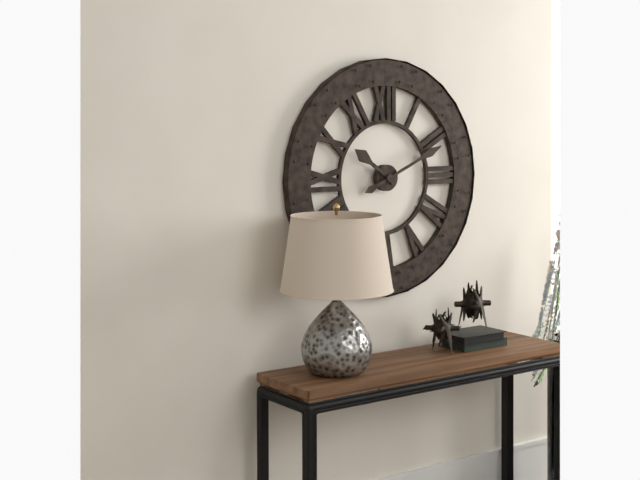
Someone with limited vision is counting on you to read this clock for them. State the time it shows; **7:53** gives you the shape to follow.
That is **10:11**
